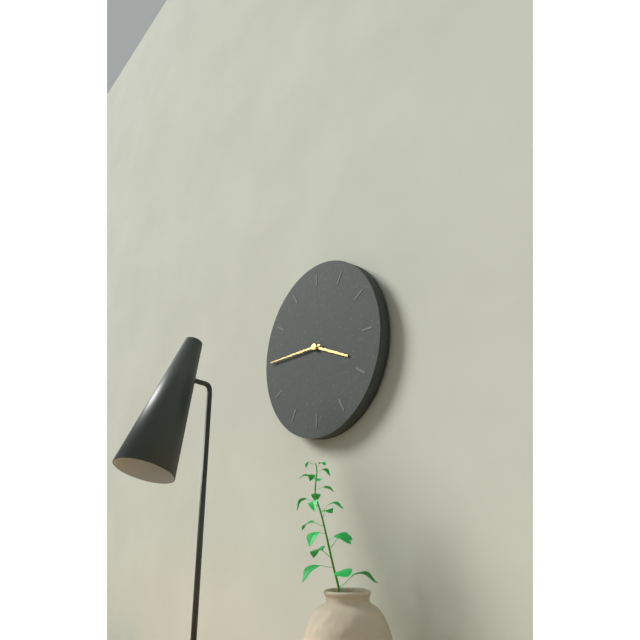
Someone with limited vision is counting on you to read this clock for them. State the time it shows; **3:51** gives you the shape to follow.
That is **3:45**
